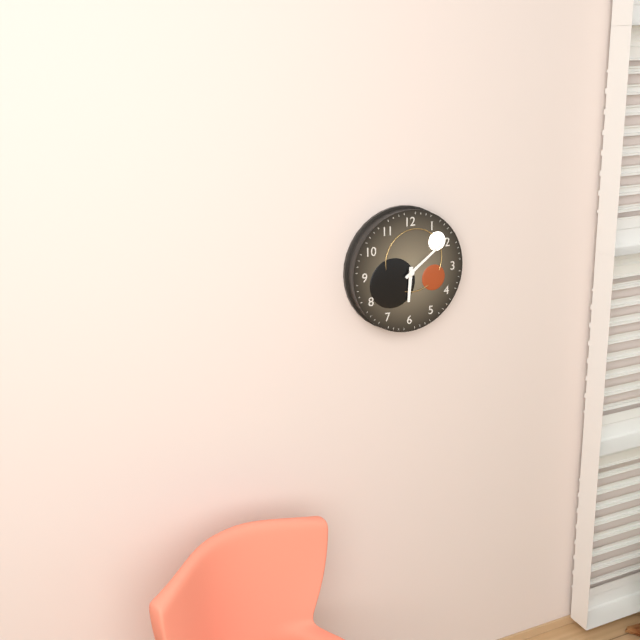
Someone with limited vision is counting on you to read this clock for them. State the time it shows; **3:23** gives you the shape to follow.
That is **6:09**
